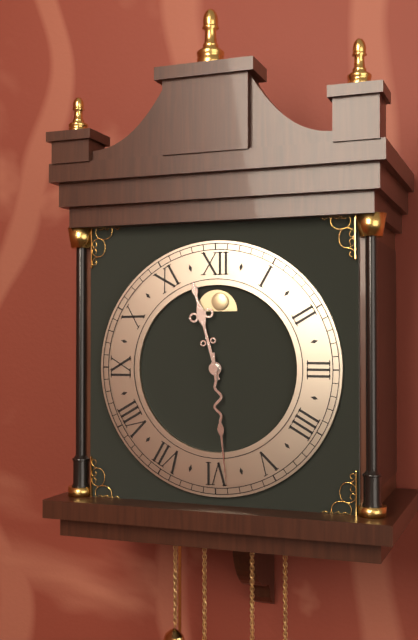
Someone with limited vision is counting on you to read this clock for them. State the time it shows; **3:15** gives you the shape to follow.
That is **11:29**
